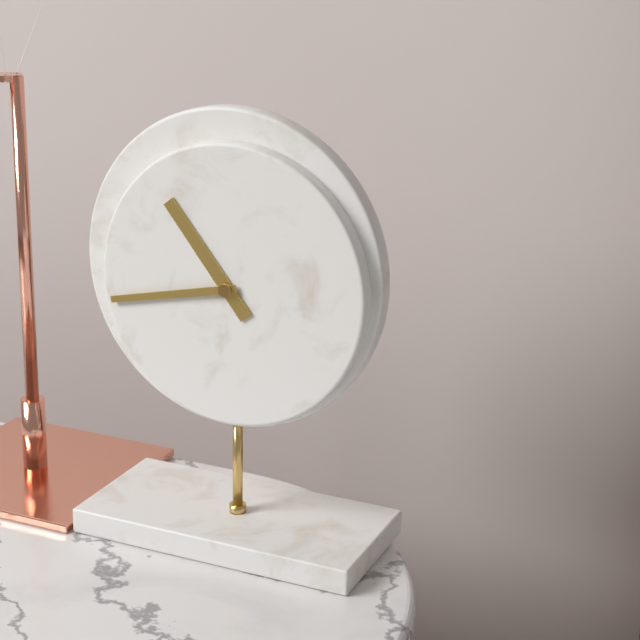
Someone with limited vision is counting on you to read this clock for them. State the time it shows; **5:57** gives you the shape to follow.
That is **10:43**
